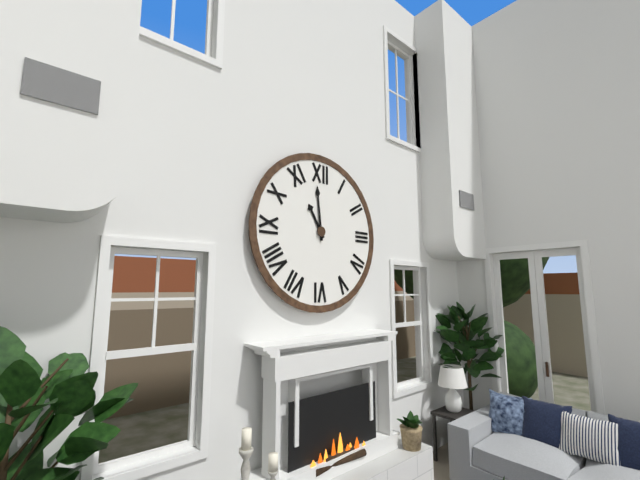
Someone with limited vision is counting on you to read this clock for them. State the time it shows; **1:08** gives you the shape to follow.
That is **10:59**
